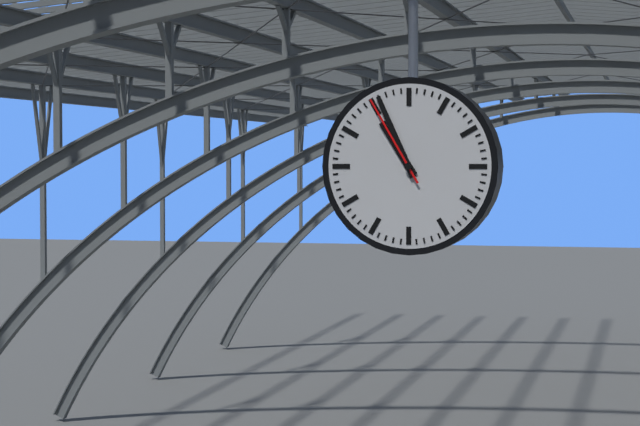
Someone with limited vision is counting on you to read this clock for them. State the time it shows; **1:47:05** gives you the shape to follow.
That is **10:56:55**
